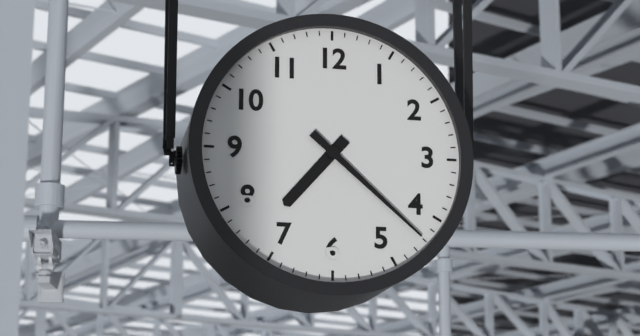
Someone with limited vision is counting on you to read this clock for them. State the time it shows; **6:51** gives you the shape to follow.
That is **7:22**
